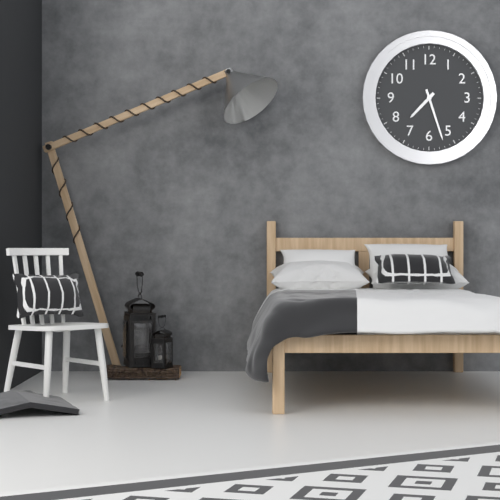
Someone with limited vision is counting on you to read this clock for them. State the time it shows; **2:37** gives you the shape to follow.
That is **7:27**
